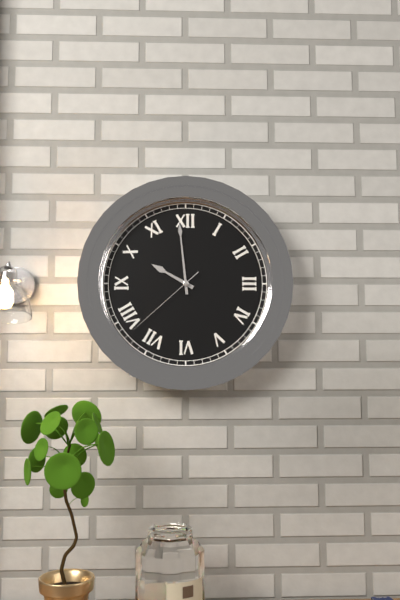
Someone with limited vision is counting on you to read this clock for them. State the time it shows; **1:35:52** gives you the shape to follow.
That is **9:59:38**
